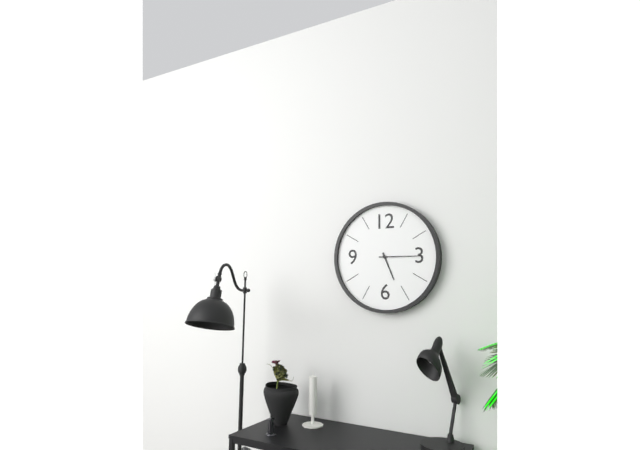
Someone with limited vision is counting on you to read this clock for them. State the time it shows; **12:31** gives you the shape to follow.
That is **5:15**
